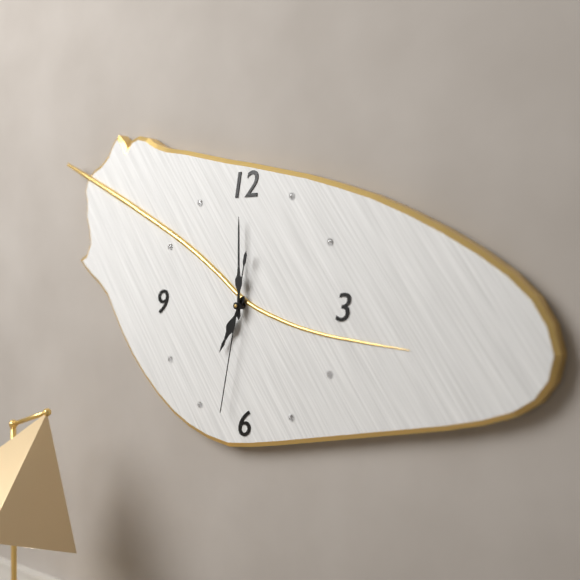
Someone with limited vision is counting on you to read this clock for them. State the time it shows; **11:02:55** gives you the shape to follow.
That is **7:00:32**
